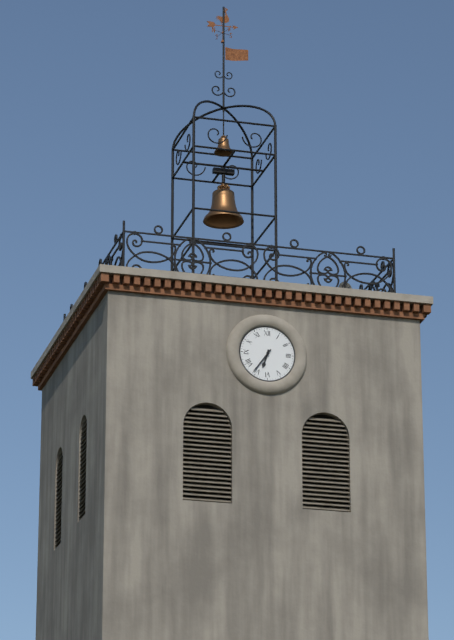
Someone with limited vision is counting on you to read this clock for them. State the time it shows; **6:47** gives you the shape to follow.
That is **6:36**
